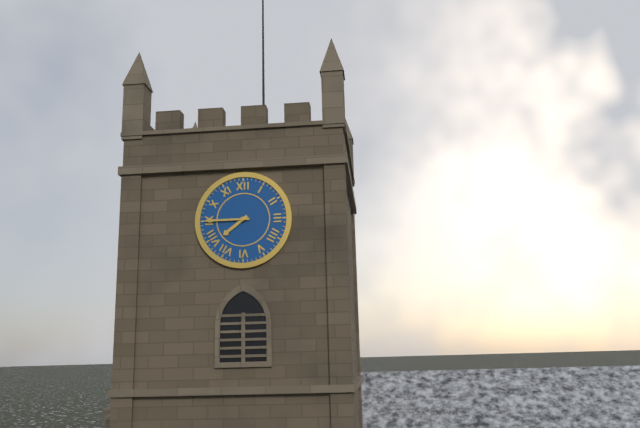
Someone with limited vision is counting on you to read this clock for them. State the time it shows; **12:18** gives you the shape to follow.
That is **7:45**
